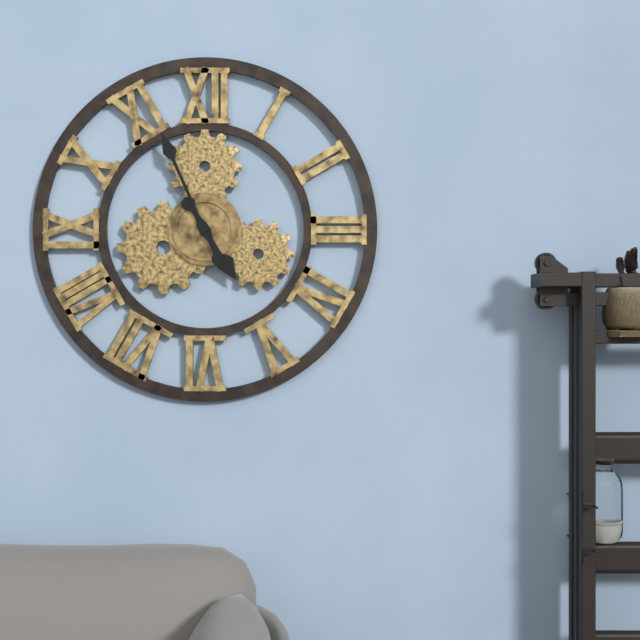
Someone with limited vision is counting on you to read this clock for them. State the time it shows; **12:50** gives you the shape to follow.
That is **4:56**
